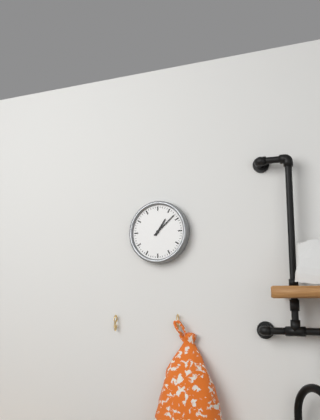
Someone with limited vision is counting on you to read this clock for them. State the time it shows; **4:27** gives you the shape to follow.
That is **1:08**
